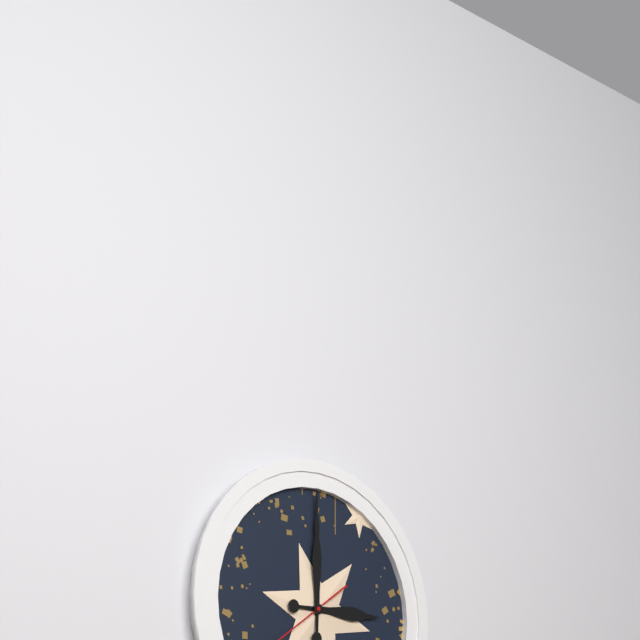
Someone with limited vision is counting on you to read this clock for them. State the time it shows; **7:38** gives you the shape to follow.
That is **3:00**
